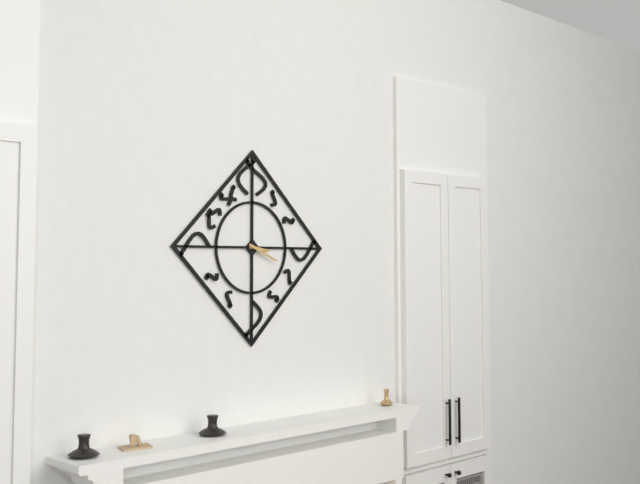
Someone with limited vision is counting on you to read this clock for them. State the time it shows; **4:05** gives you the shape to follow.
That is **3:19**
